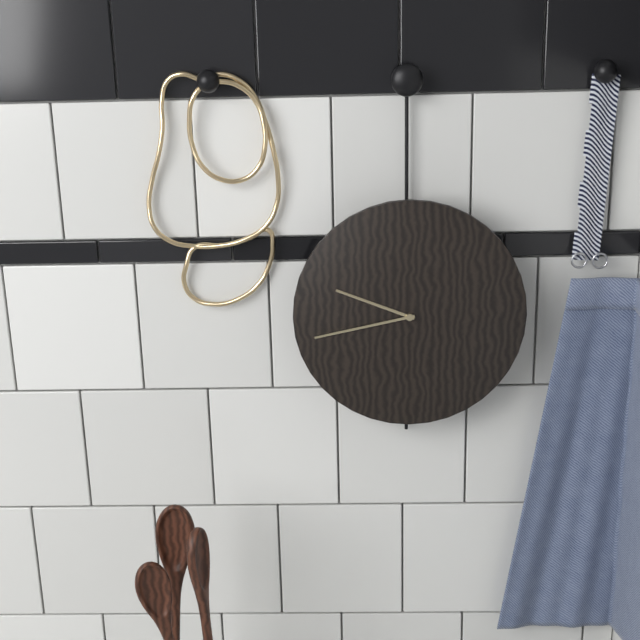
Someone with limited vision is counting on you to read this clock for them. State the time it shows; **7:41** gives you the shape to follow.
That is **9:43**
